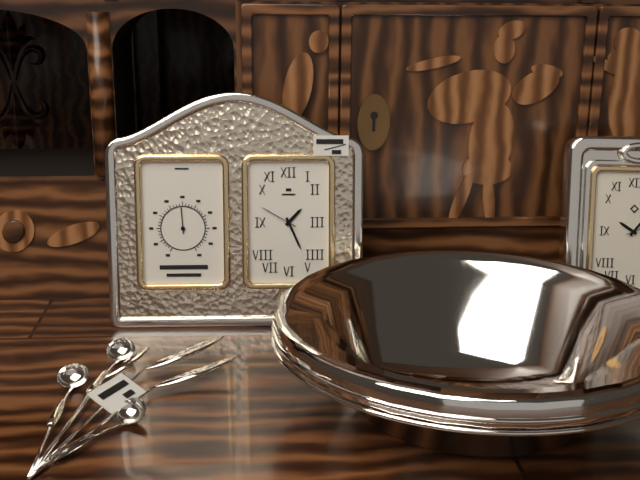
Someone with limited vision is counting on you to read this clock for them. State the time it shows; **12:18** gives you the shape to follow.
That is **1:26**
